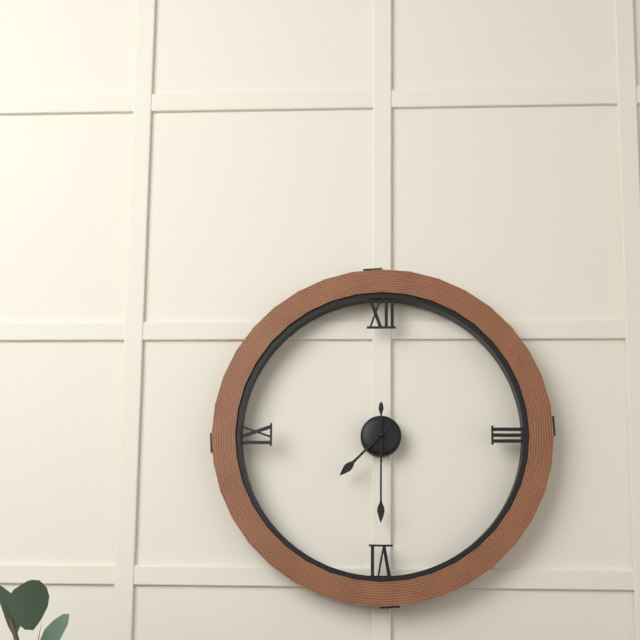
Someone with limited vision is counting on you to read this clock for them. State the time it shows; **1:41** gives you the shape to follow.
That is **7:30**
